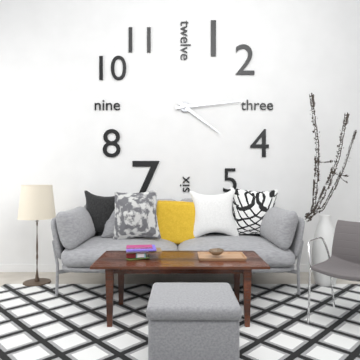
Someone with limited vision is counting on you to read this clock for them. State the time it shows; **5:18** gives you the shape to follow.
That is **4:14**
